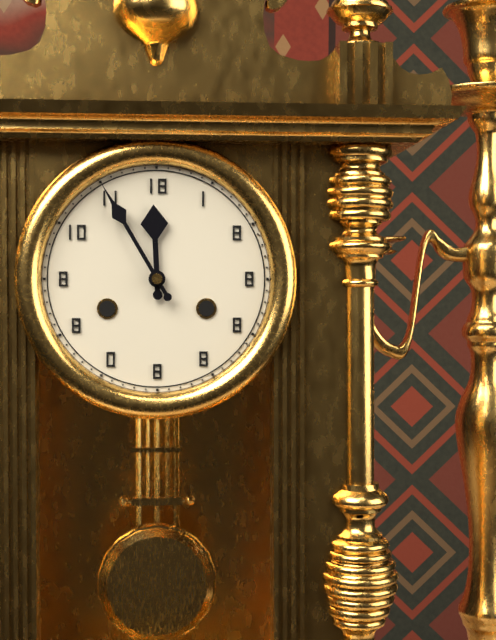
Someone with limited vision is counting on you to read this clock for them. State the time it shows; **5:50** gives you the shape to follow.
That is **11:55**
